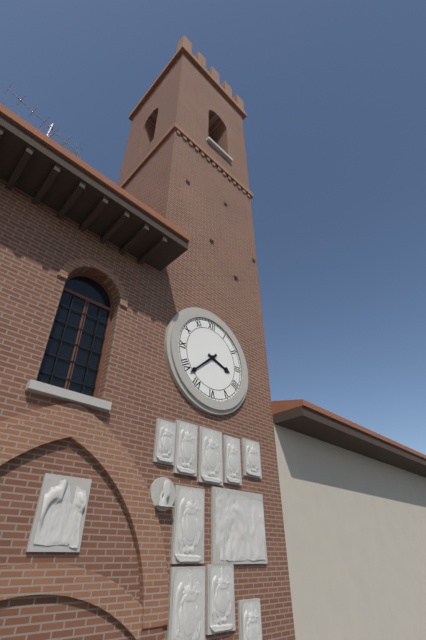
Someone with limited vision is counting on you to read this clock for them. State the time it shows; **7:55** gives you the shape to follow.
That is **3:38**
